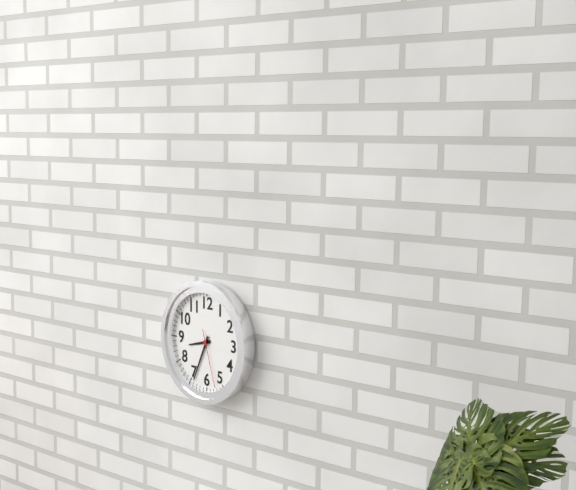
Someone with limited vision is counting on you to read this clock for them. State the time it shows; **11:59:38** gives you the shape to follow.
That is **8:34:27**
